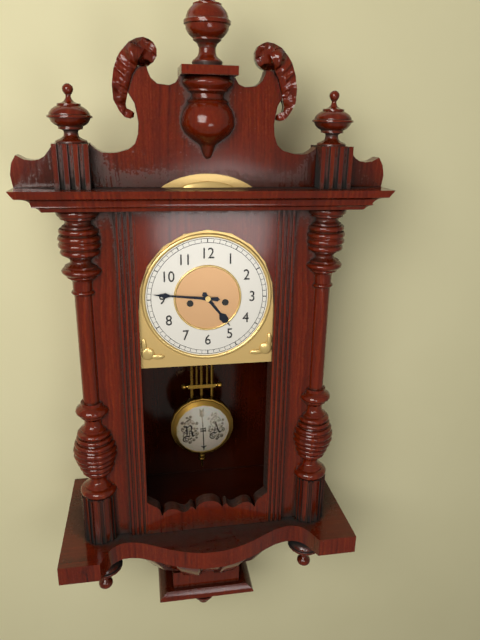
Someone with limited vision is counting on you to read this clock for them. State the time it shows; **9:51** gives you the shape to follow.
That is **4:46**
